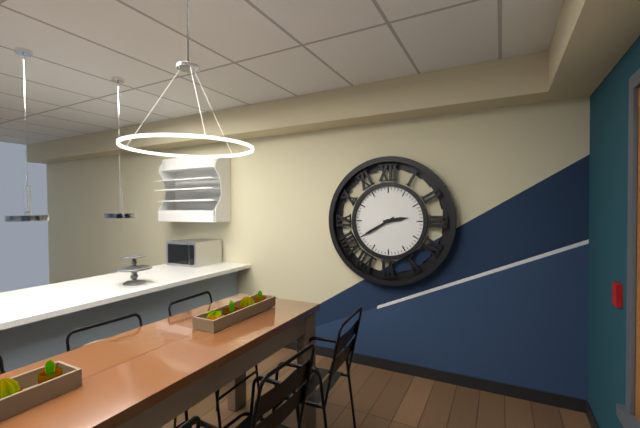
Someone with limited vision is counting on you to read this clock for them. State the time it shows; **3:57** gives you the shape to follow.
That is **2:40**
